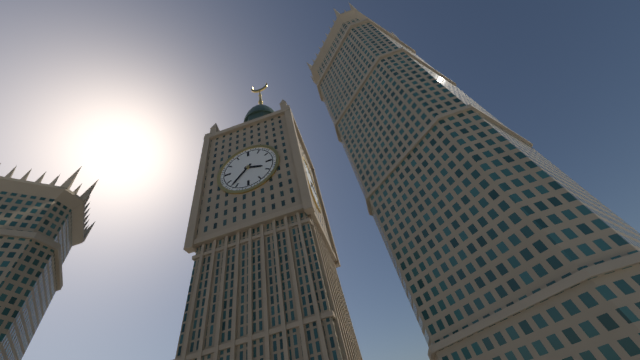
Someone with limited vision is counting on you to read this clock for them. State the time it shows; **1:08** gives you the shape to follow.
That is **3:37**
